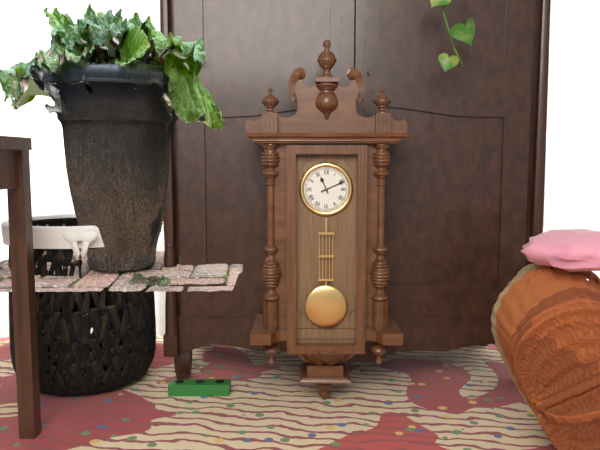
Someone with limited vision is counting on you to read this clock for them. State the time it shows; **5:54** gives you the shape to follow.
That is **11:11**
